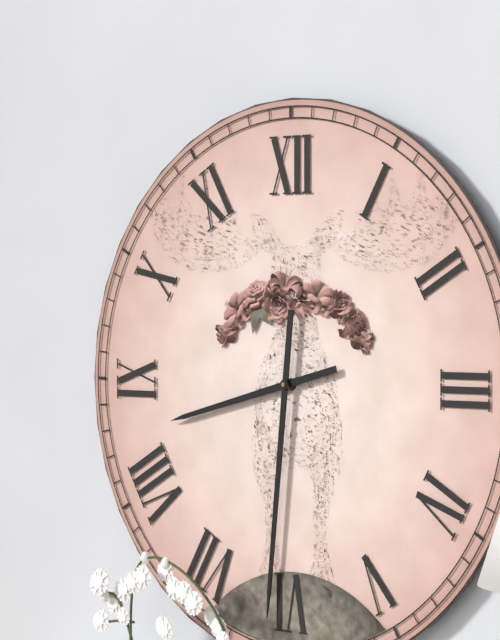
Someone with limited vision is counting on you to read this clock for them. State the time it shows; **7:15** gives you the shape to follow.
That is **8:31**
